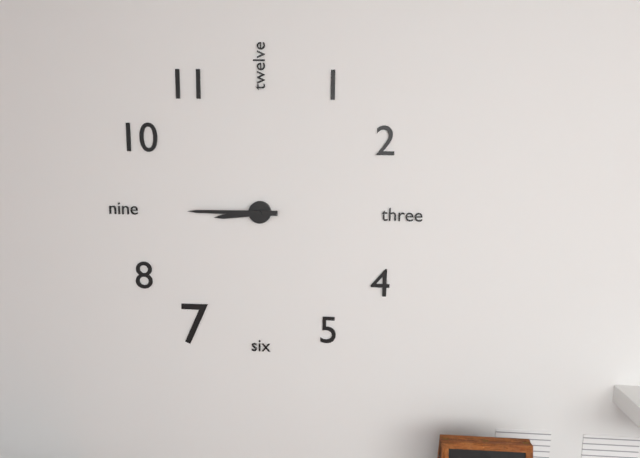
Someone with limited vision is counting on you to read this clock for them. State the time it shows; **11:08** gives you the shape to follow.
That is **8:45**
